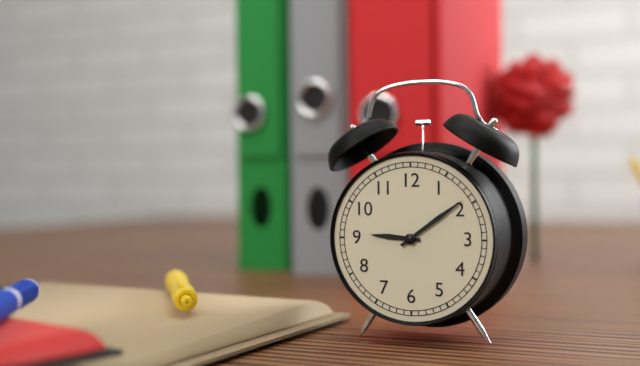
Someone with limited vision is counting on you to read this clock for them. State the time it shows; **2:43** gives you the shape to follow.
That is **9:09**
